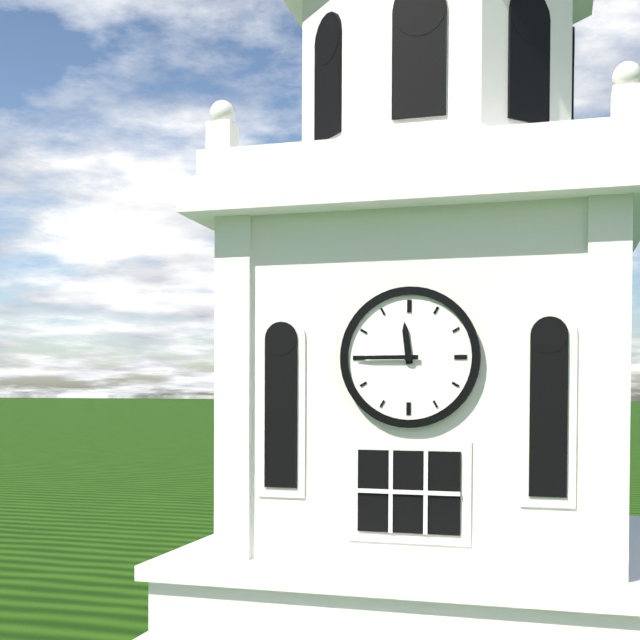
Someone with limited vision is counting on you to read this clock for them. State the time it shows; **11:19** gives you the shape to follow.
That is **11:45**
